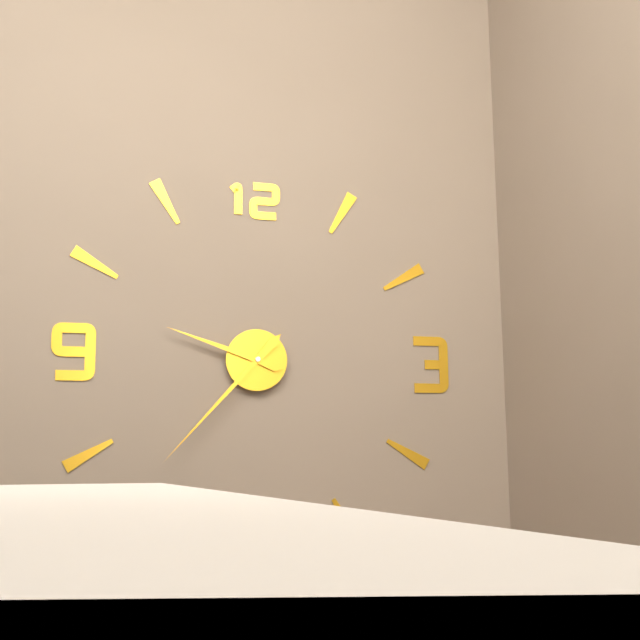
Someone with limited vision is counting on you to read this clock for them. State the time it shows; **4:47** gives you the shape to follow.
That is **9:37**
